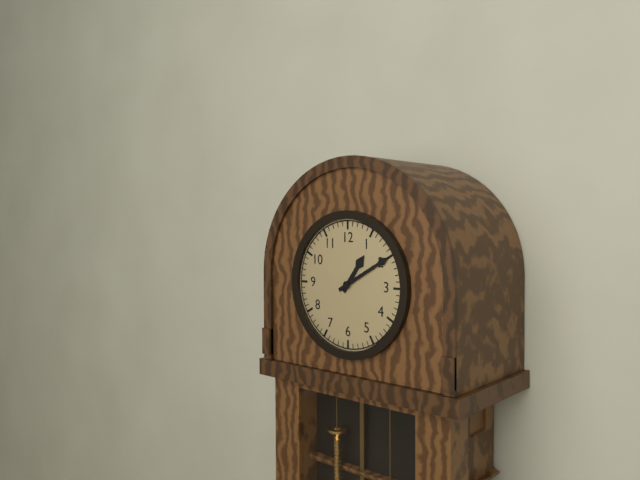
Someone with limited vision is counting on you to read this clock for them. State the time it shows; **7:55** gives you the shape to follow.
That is **1:10**
